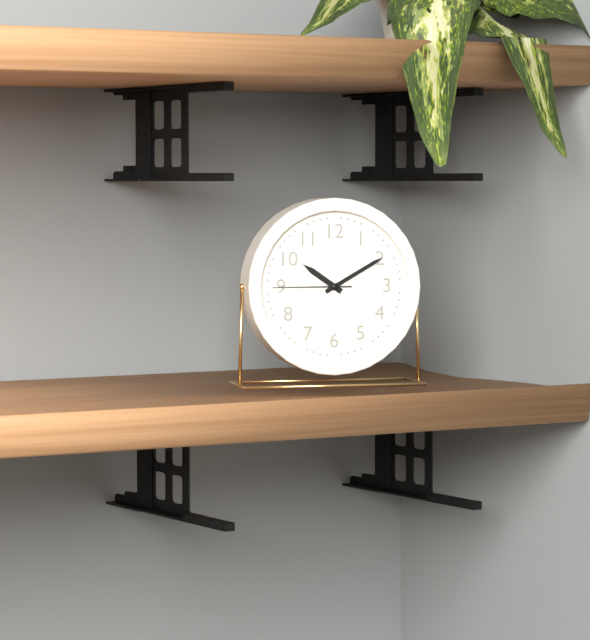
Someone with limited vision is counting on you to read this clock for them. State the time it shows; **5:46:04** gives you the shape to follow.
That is **10:10:45**
